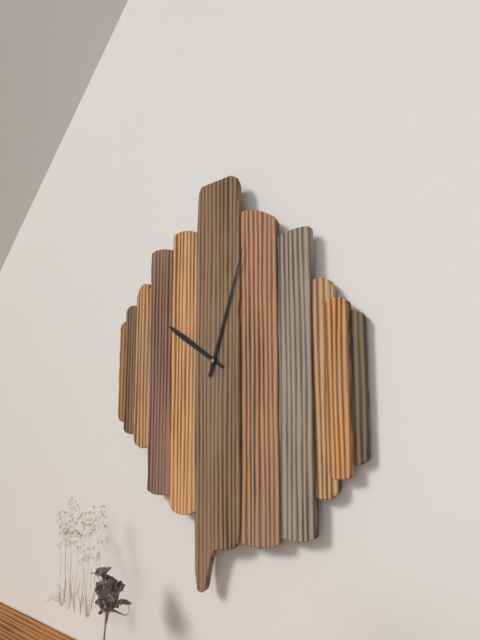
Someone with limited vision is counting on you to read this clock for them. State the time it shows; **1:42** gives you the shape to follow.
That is **10:03**
